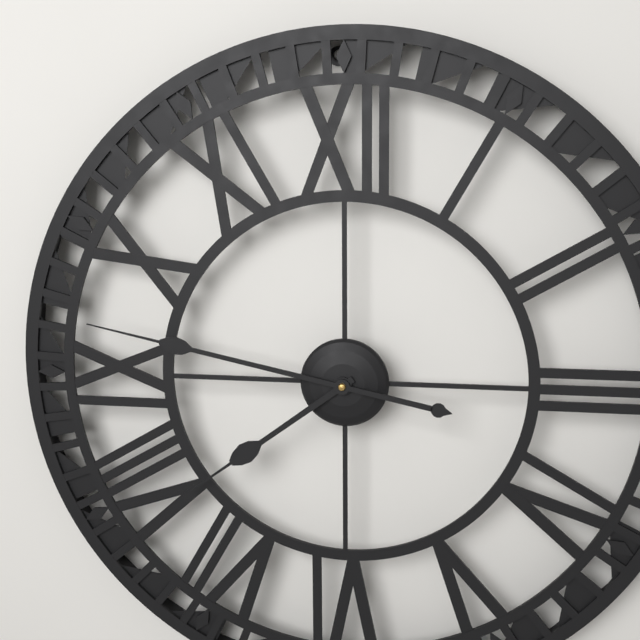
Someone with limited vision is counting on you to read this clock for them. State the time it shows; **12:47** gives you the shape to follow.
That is **7:47**
